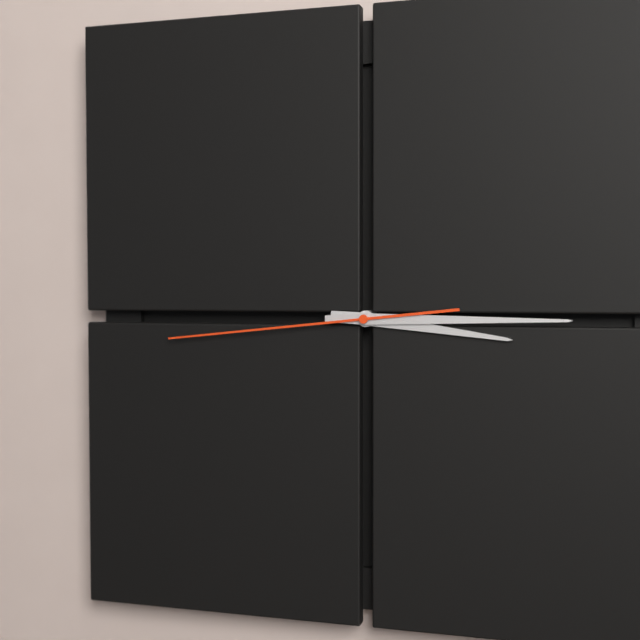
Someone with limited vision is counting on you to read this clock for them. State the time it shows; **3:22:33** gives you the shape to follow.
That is **3:15:44**
